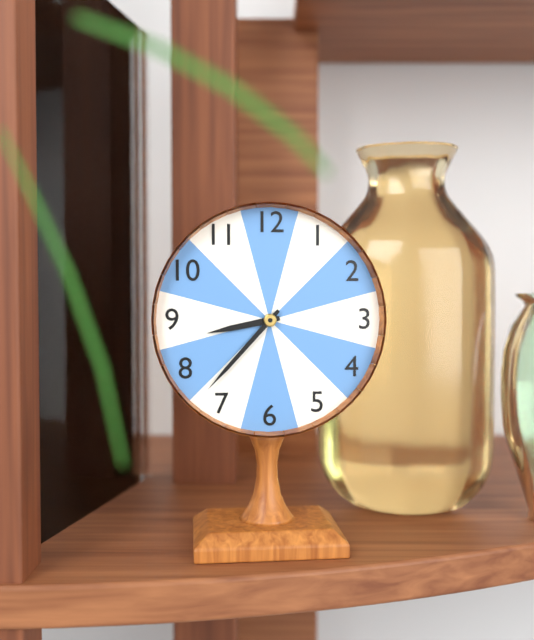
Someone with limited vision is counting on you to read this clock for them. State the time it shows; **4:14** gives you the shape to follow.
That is **8:37**
